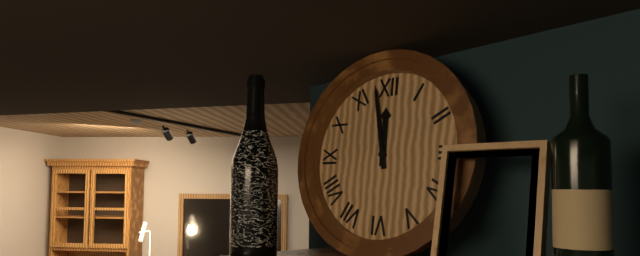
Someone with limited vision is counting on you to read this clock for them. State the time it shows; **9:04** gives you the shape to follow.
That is **11:58**
